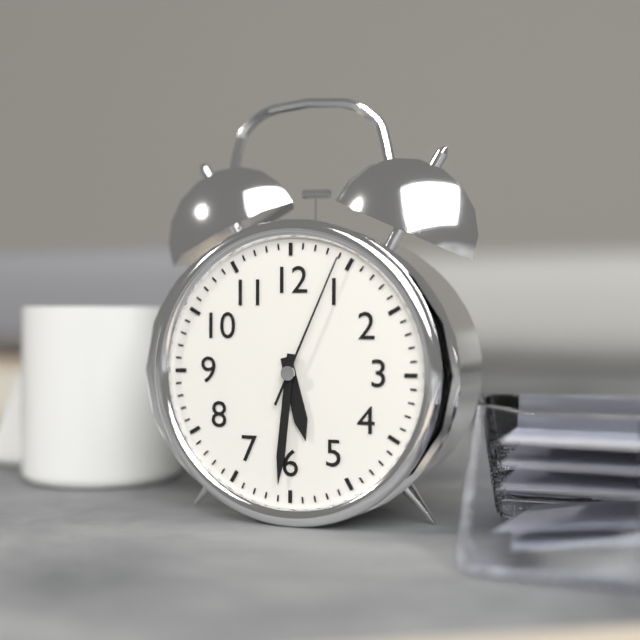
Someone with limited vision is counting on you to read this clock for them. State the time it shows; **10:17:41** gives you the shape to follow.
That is **5:31:04**
